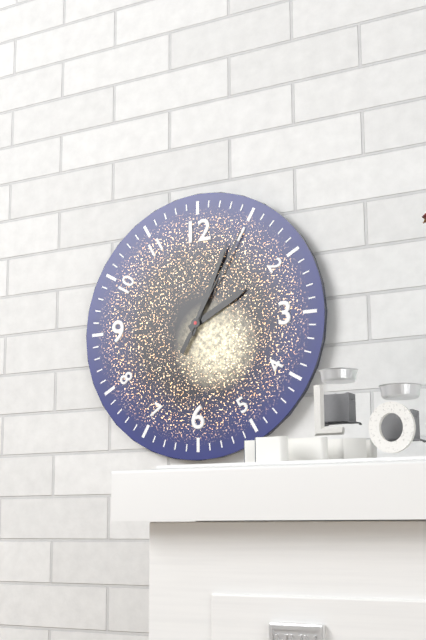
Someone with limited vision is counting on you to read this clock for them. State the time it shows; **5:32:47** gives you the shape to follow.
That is **2:04:05**
